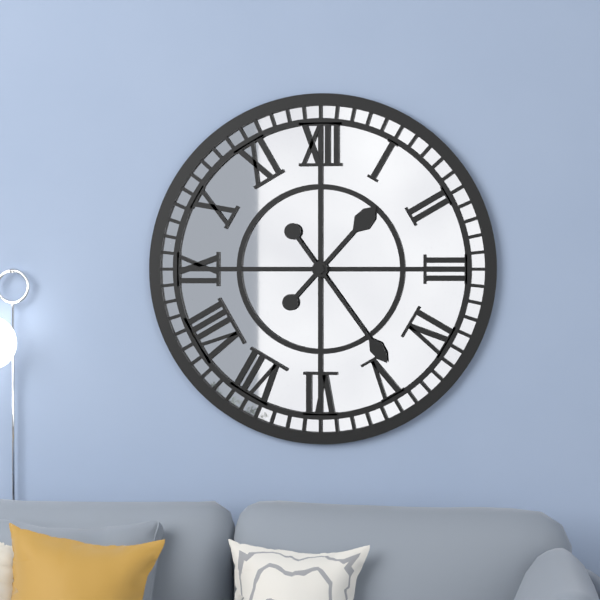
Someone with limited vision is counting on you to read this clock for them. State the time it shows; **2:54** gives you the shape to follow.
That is **1:24**
